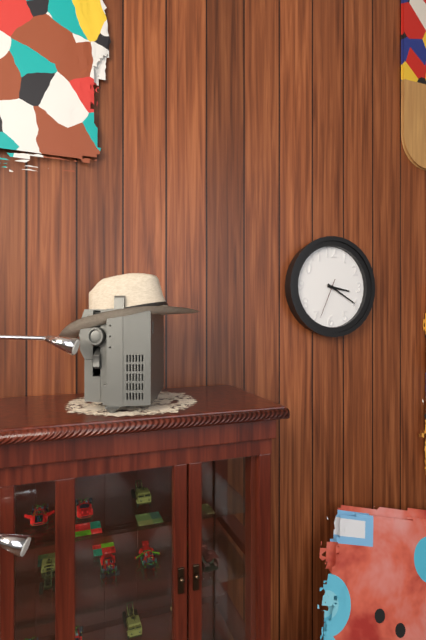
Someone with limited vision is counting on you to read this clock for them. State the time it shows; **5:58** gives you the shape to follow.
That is **3:20**
